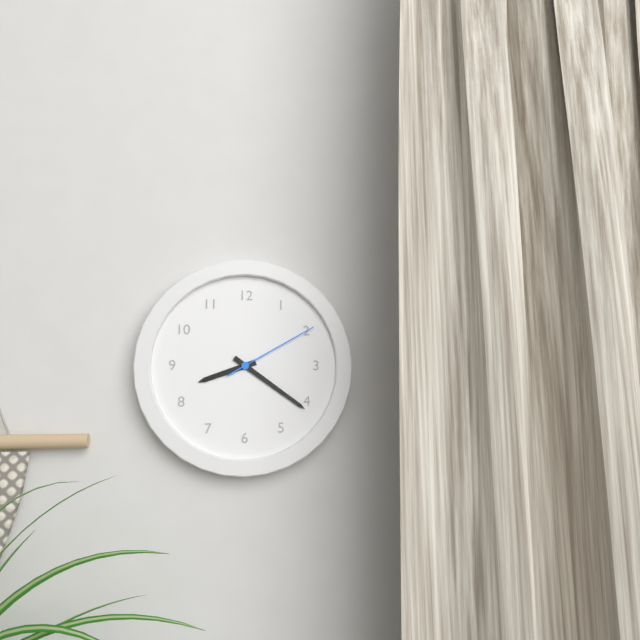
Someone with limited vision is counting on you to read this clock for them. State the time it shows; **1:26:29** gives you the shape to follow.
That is **8:21:10**
